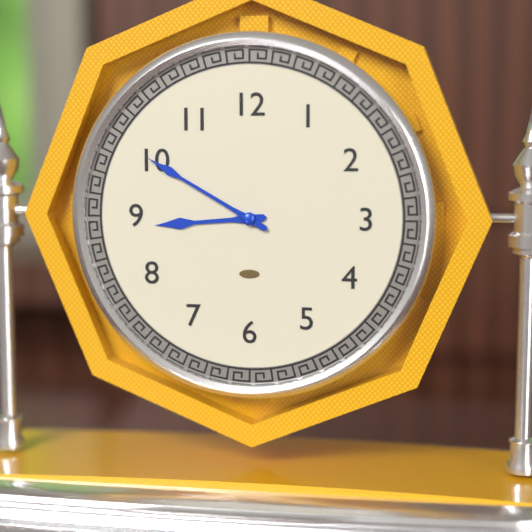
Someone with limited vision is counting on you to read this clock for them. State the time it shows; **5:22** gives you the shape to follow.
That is **8:50**
